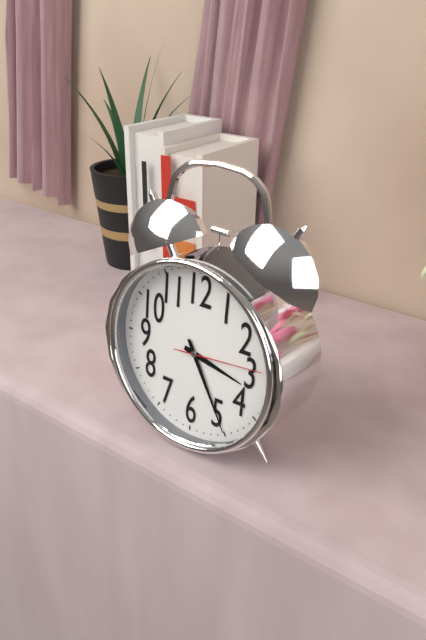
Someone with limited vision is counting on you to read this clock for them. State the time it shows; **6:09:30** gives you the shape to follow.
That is **3:25:14**
